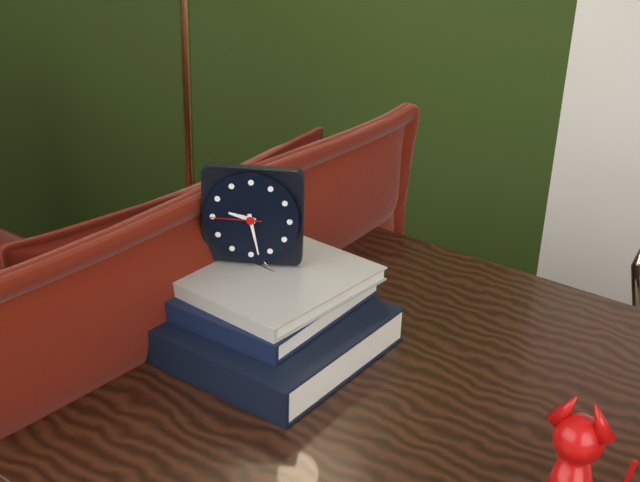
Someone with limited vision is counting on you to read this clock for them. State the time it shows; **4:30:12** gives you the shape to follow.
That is **9:28:45**
